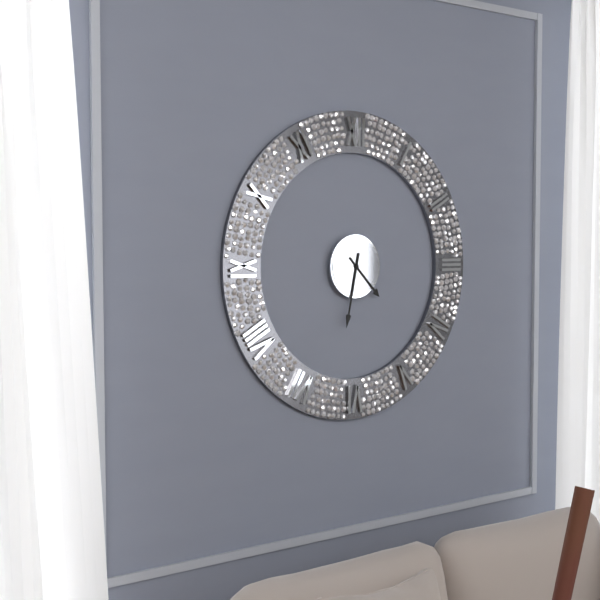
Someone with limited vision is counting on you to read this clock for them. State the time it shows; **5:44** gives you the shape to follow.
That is **4:32**
